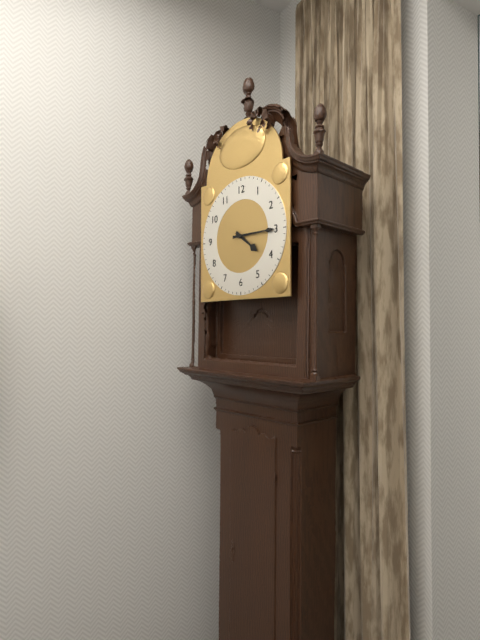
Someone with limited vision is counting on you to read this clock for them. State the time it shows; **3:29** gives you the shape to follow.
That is **4:15**
